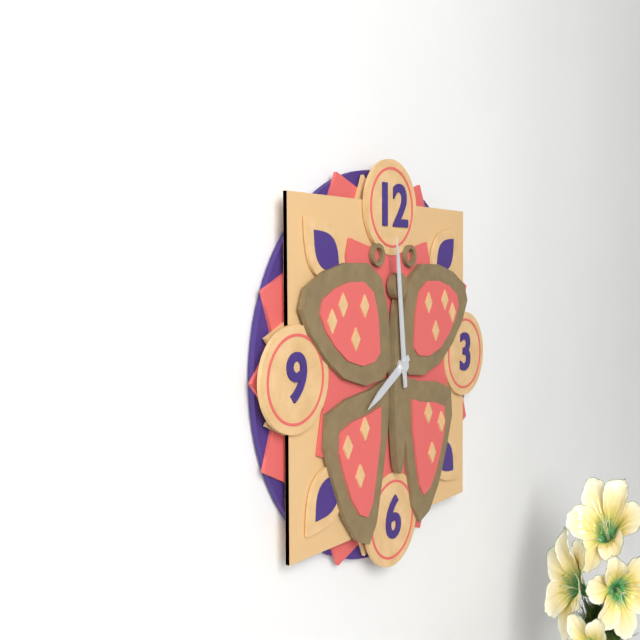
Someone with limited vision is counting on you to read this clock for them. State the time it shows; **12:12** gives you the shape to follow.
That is **7:59**
